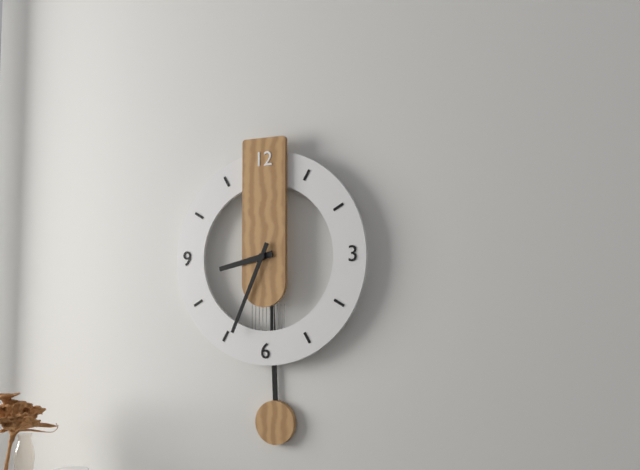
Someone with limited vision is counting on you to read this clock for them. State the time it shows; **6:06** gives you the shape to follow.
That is **8:34**
